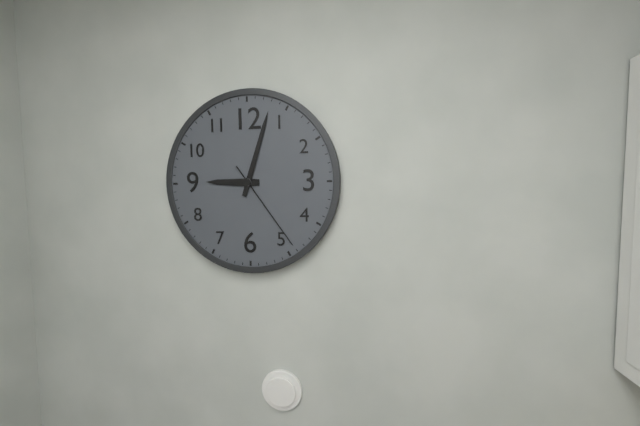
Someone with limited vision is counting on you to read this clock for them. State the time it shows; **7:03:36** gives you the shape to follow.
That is **9:03:24**
